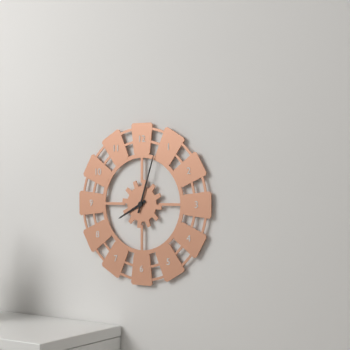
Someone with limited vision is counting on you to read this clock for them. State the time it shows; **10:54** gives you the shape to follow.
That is **8:03**
